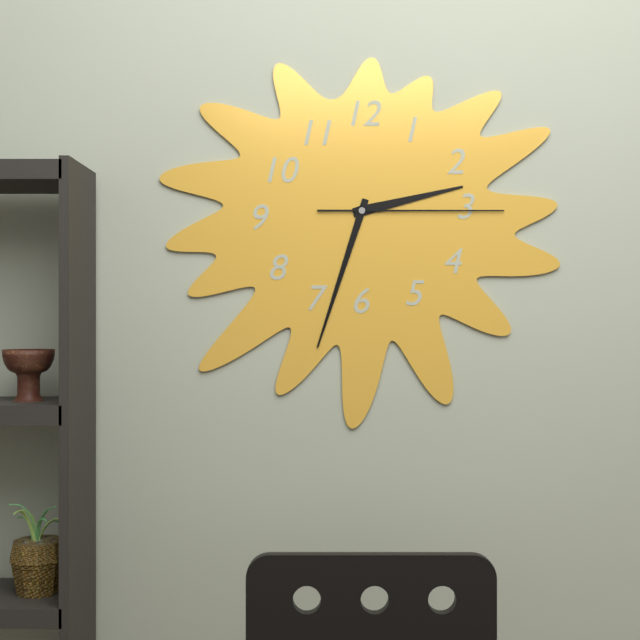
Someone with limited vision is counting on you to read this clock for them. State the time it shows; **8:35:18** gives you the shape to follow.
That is **2:33:15**
